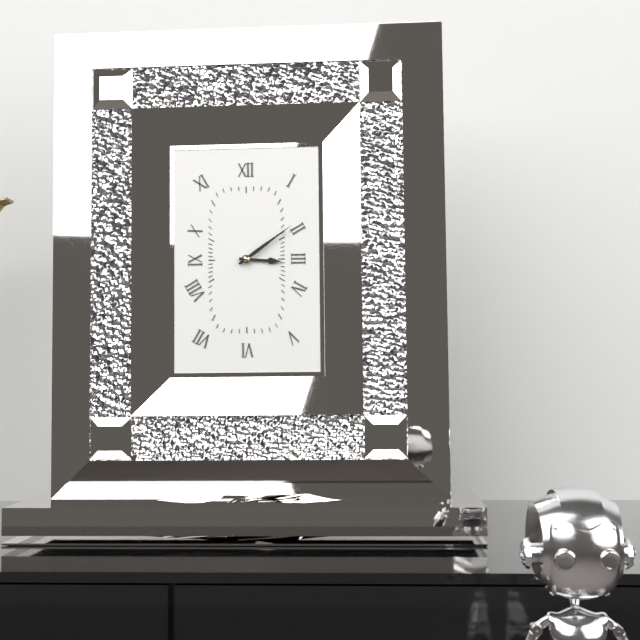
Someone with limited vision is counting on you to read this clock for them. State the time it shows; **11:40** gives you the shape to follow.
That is **3:09**
